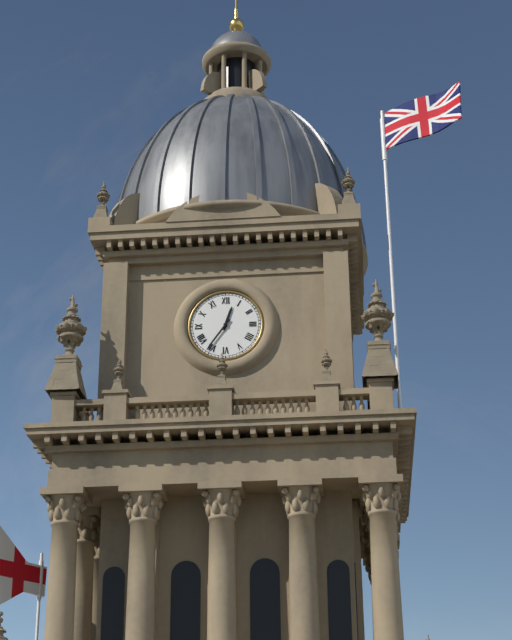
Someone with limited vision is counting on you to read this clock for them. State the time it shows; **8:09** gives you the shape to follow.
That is **12:36**
